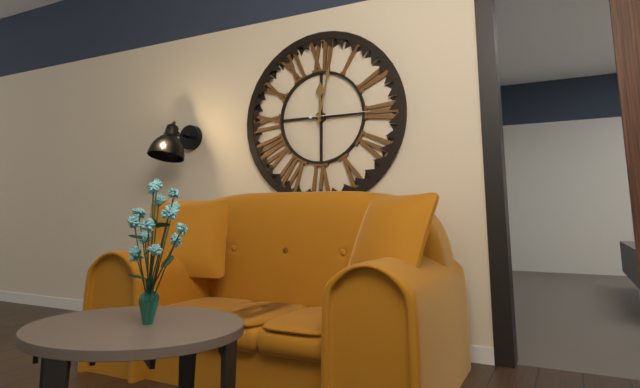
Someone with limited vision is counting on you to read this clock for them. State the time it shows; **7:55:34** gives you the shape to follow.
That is **12:02:15**
